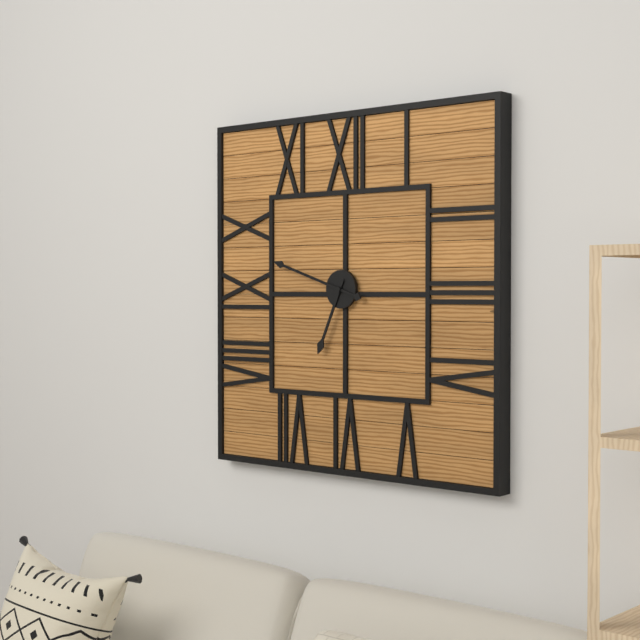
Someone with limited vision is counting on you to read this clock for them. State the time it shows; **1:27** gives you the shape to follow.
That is **6:48**
